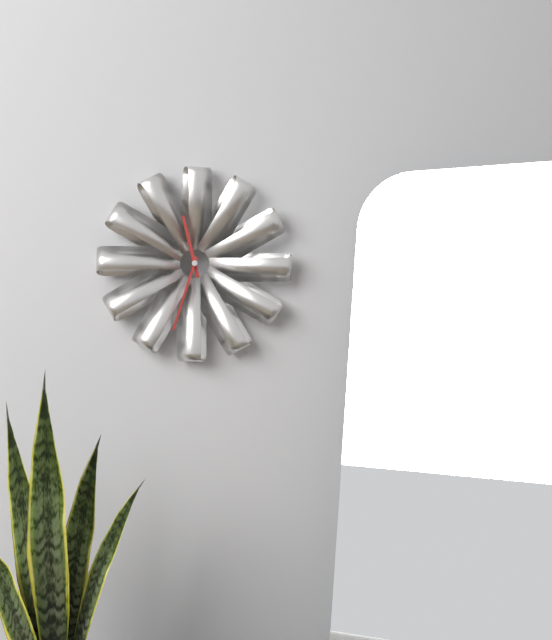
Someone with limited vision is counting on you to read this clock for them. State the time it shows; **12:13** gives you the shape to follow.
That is **11:33**
